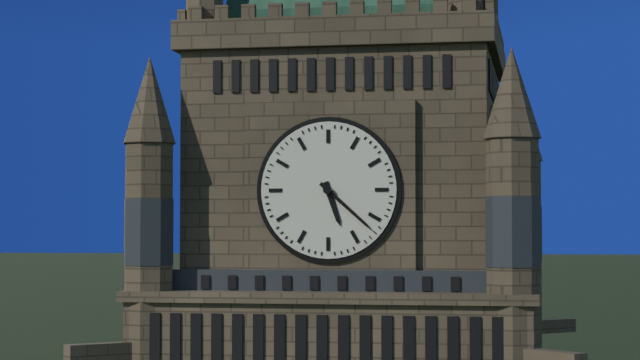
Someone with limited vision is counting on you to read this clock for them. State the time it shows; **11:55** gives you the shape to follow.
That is **5:22**
